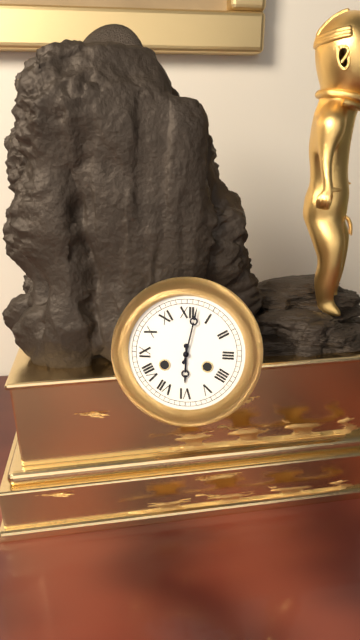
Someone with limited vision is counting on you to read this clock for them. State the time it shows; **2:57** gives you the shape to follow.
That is **6:02**
